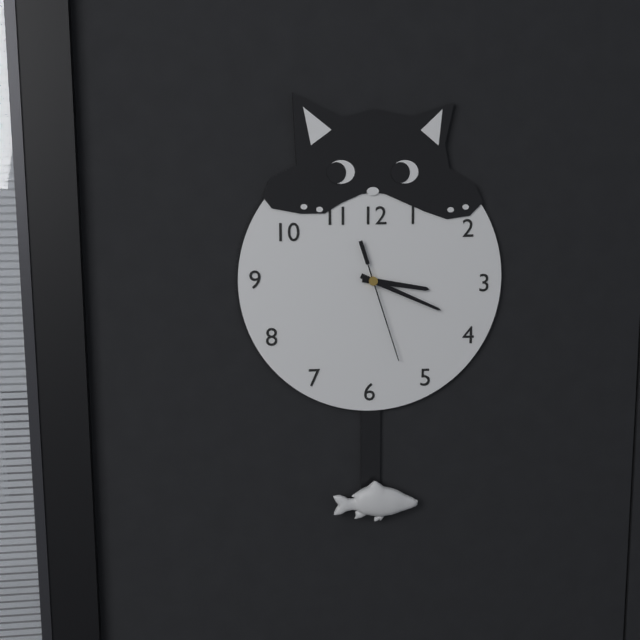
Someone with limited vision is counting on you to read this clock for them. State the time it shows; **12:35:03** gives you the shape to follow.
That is **3:19:27**
